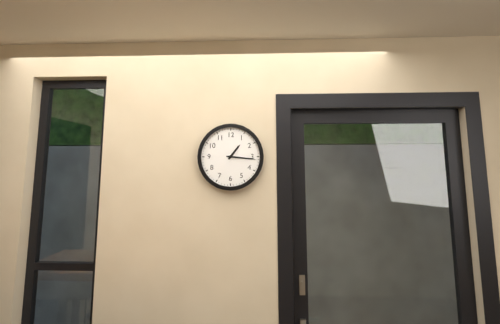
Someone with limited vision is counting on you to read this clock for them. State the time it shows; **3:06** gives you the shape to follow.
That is **1:16**
